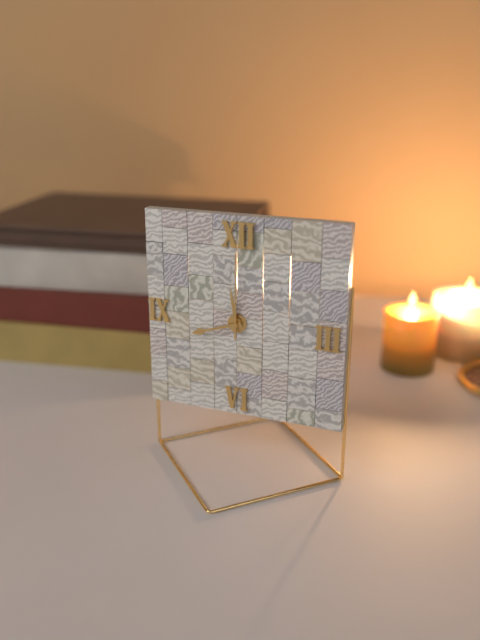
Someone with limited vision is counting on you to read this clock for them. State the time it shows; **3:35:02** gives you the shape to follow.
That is **11:42:00**
